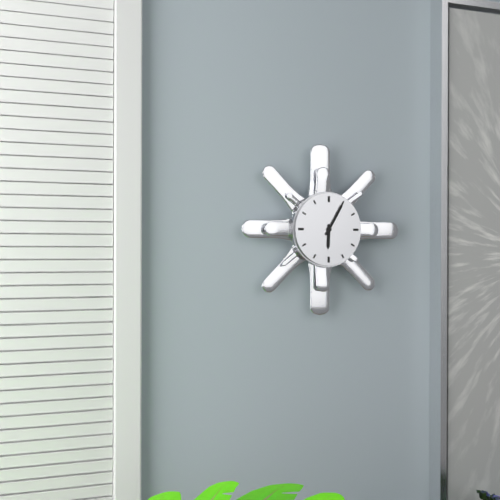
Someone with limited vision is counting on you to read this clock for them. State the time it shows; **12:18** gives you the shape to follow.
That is **6:05**
